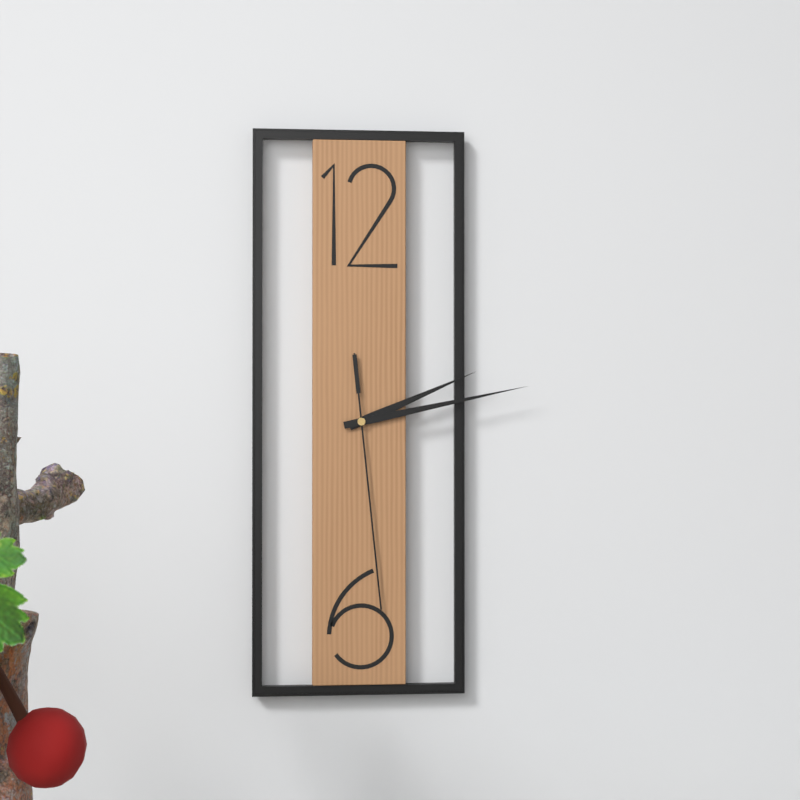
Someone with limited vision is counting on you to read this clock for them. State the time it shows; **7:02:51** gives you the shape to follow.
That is **2:13:29**
